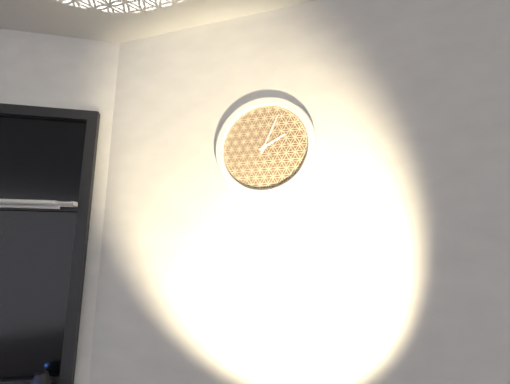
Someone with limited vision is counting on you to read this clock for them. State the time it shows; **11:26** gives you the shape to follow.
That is **2:04**
